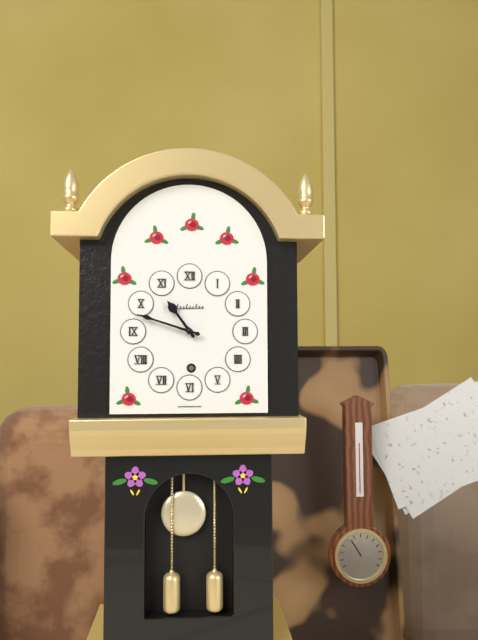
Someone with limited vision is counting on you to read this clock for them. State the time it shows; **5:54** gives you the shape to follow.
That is **10:48**
